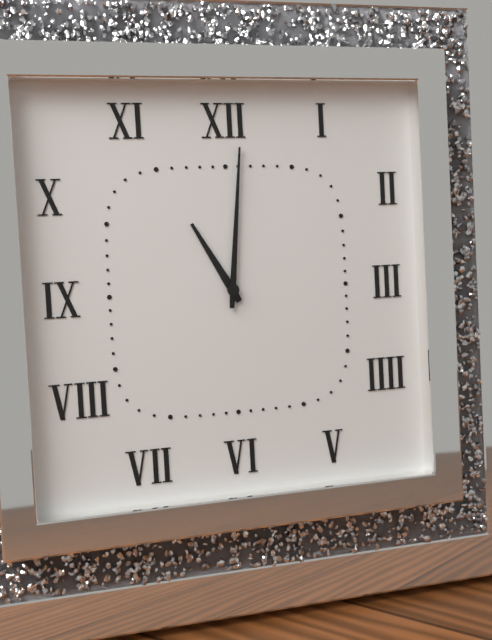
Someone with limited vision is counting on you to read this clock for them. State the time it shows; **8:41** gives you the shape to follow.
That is **11:01**
